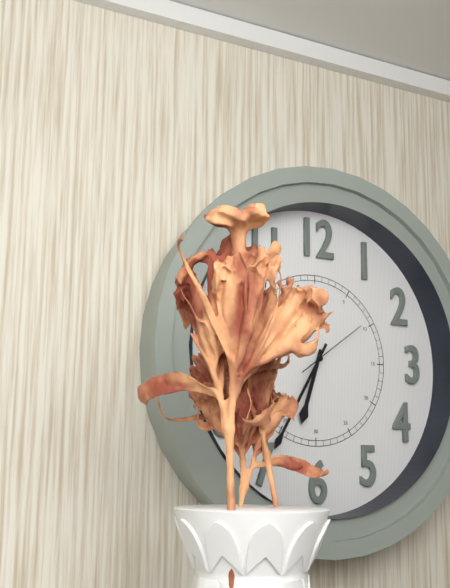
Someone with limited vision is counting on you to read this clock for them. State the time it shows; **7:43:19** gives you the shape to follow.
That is **6:35:09**
